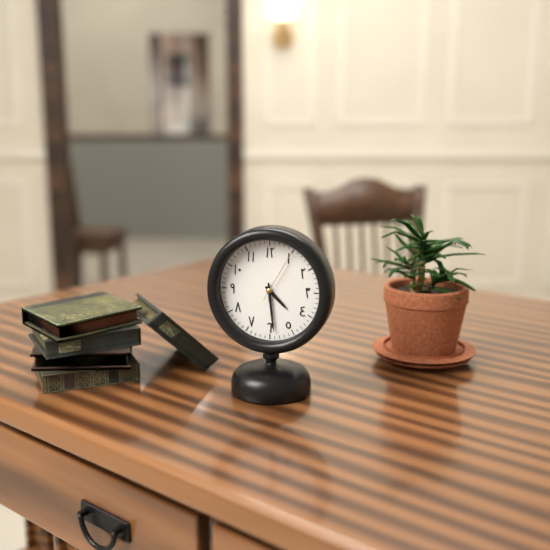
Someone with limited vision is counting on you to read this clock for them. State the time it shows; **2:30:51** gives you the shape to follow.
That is **4:29:05**
